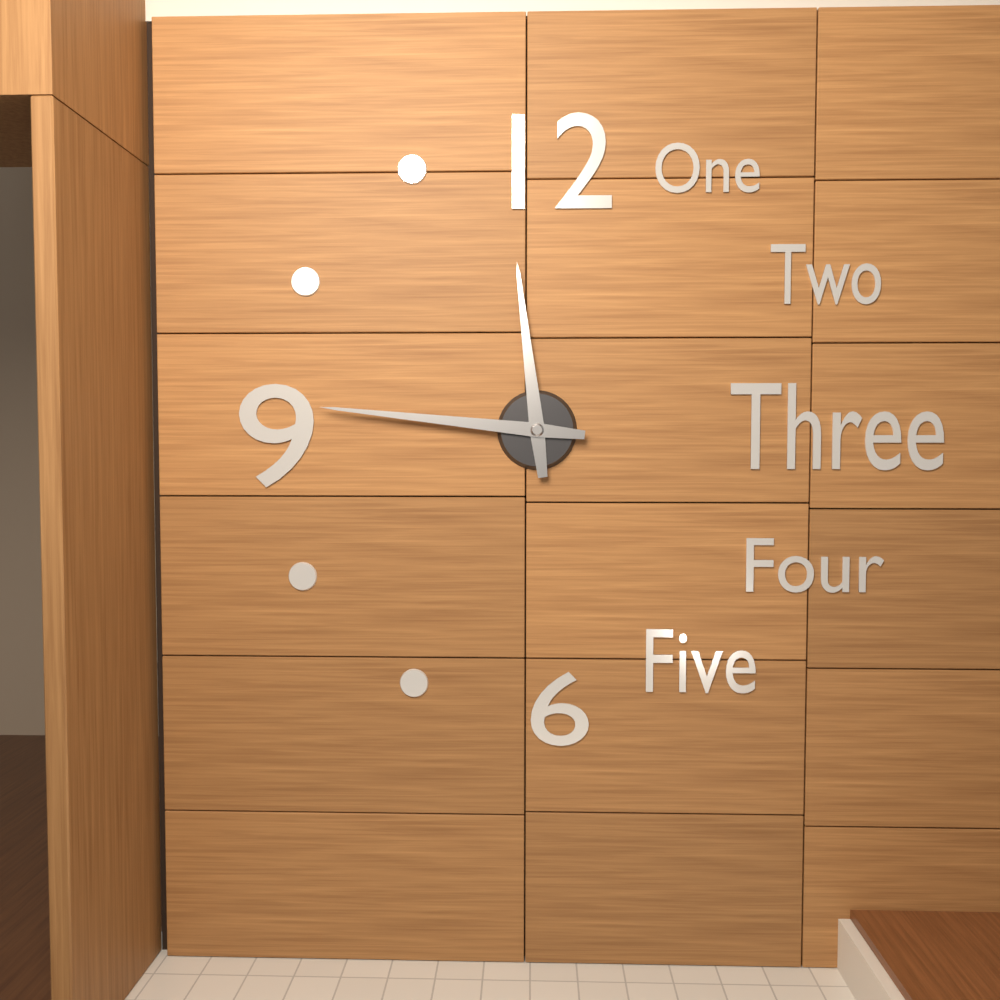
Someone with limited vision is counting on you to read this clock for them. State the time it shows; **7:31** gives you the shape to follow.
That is **11:46**
